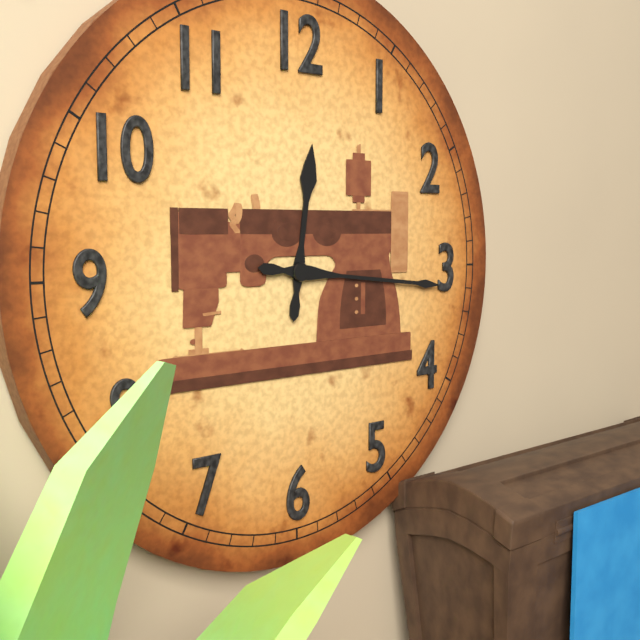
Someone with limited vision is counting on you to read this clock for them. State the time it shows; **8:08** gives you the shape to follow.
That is **12:16**
